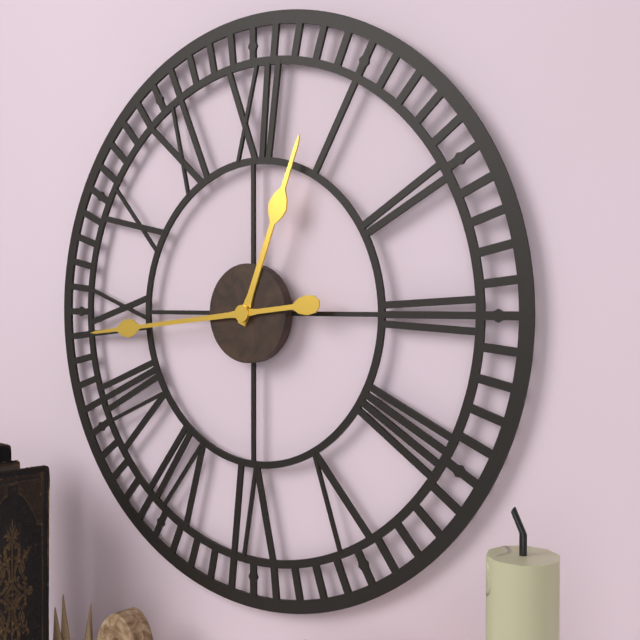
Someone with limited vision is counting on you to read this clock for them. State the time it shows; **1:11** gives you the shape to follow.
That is **12:44**
